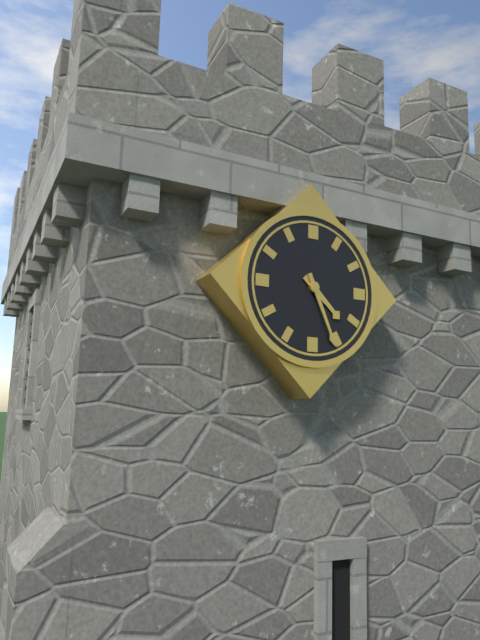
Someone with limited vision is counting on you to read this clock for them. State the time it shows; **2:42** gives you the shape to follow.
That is **4:26**
